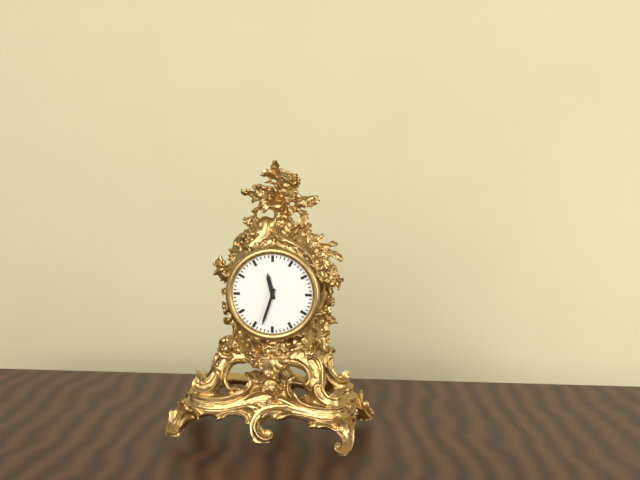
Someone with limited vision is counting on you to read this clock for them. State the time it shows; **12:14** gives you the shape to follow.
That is **11:33**
